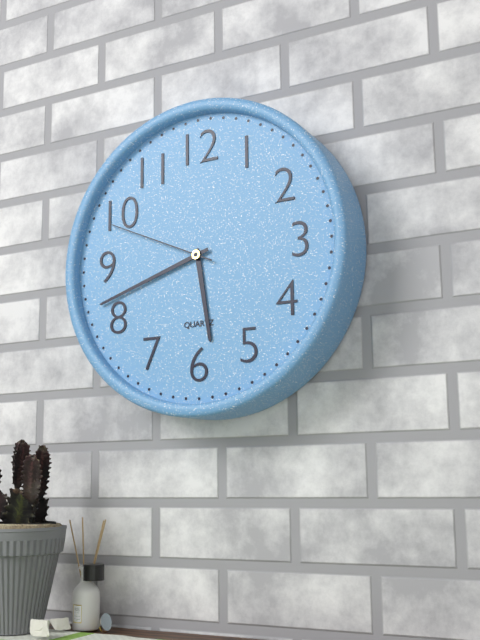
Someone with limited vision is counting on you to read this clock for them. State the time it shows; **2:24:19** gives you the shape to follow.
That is **5:42:49**
